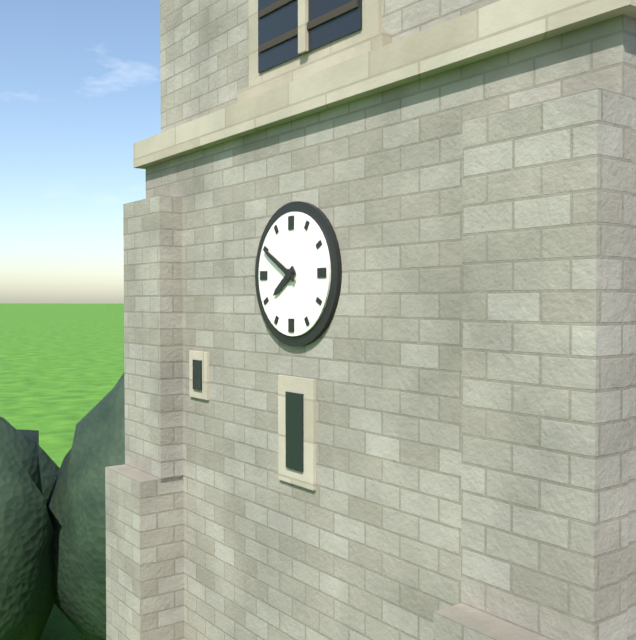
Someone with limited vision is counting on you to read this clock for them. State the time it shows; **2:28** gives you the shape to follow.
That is **7:50**
